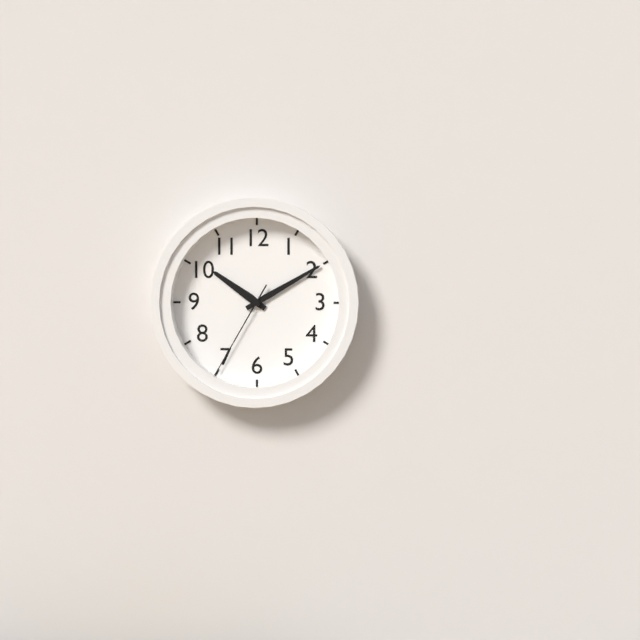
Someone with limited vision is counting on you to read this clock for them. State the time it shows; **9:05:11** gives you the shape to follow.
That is **10:10:35**
